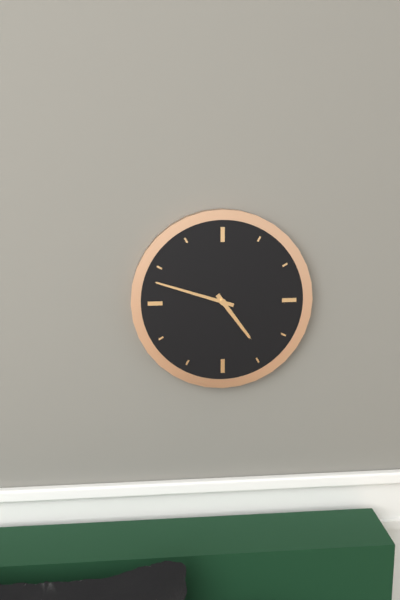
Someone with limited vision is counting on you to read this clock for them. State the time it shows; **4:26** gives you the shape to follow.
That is **4:48**
